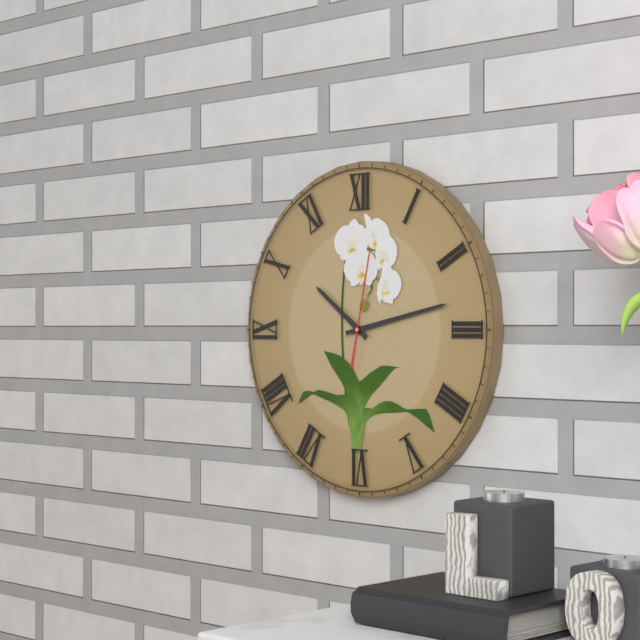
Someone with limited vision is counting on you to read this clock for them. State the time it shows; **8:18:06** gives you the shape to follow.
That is **10:13:02**
